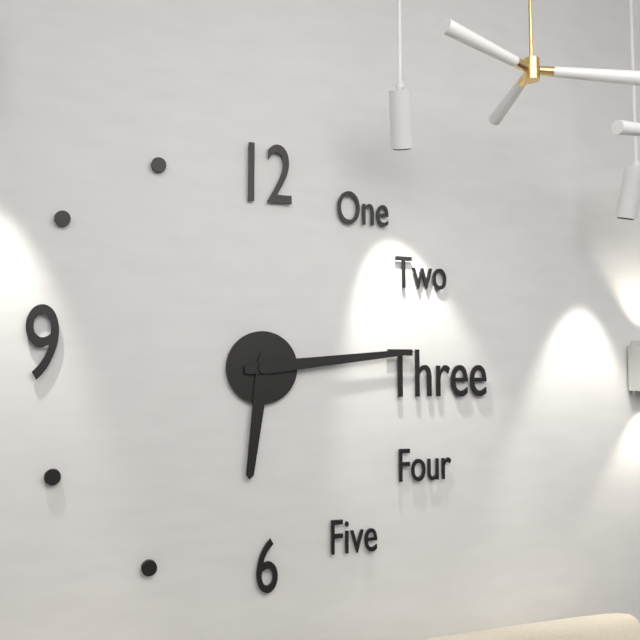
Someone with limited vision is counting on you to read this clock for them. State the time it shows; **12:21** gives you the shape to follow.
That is **6:14**
